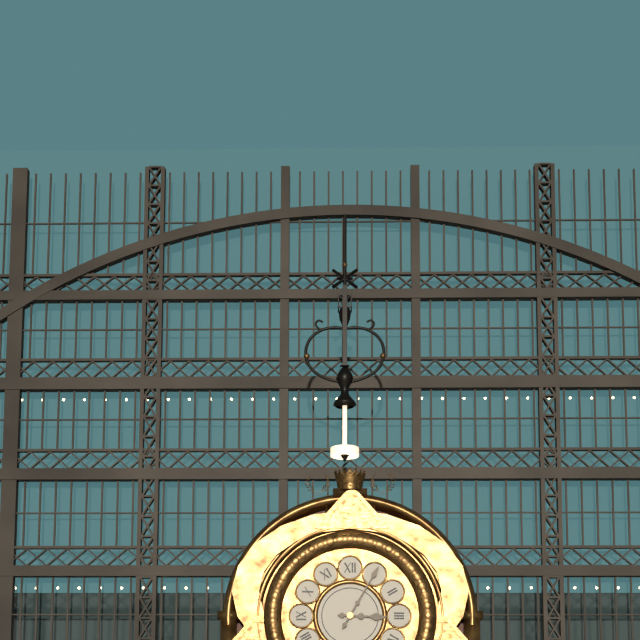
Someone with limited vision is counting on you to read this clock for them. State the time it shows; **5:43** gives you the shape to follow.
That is **3:05**
